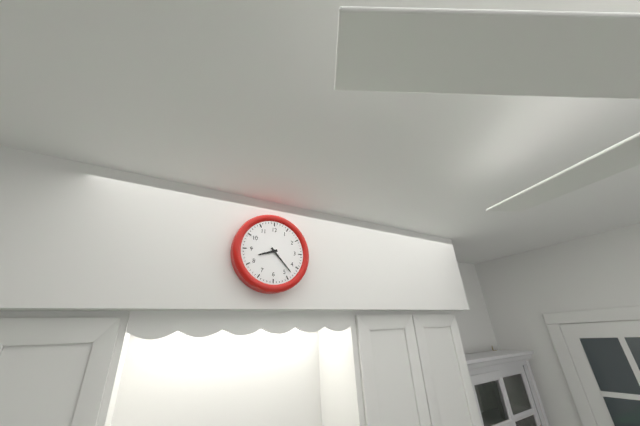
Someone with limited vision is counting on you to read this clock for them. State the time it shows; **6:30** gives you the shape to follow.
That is **8:23**
